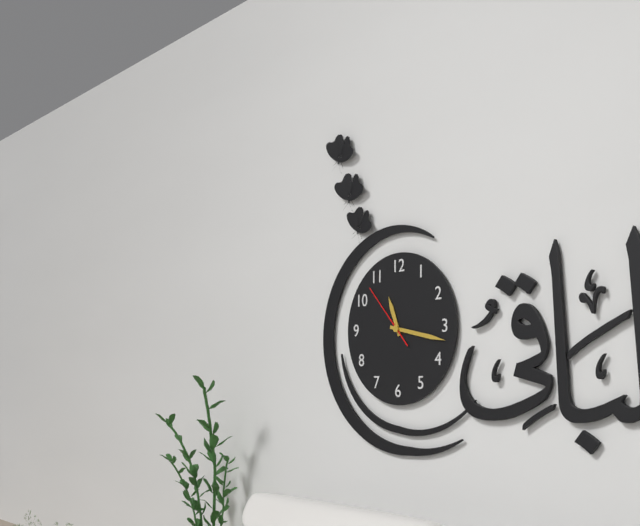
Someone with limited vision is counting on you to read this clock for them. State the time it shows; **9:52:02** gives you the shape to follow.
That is **11:17:53**
